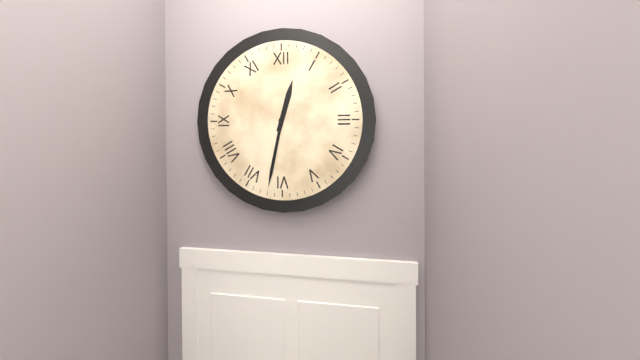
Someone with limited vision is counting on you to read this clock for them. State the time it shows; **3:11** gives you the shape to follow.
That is **12:32**
